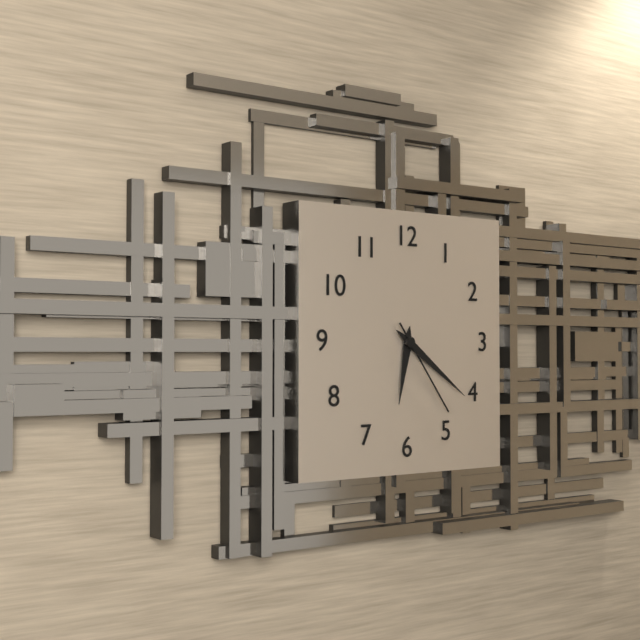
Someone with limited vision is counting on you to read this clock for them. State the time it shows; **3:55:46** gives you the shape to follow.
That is **6:21:24**
